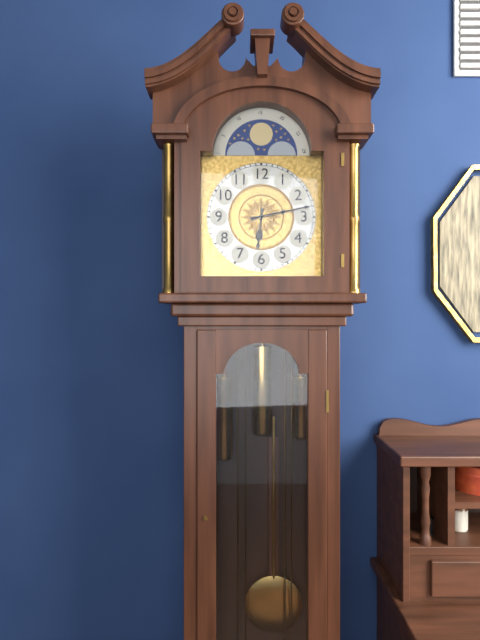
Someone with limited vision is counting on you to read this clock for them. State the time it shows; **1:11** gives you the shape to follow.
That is **6:13**
